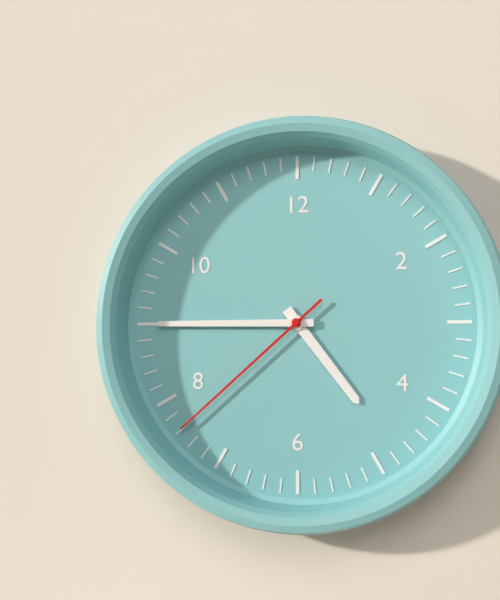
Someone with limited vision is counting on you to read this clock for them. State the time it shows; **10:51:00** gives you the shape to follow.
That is **4:45:38**
